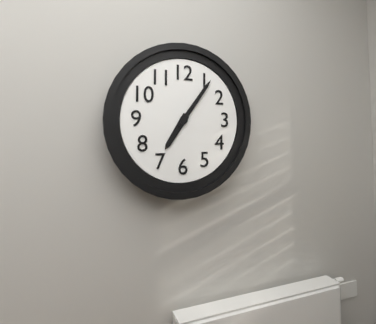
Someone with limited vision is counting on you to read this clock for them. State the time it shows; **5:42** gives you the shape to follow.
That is **7:06**
